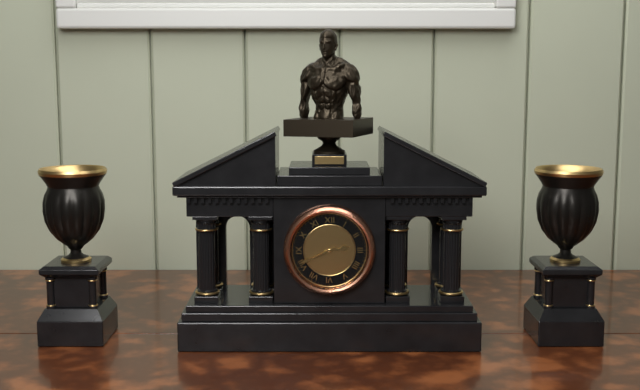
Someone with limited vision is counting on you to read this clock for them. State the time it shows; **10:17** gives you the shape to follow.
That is **2:41**
